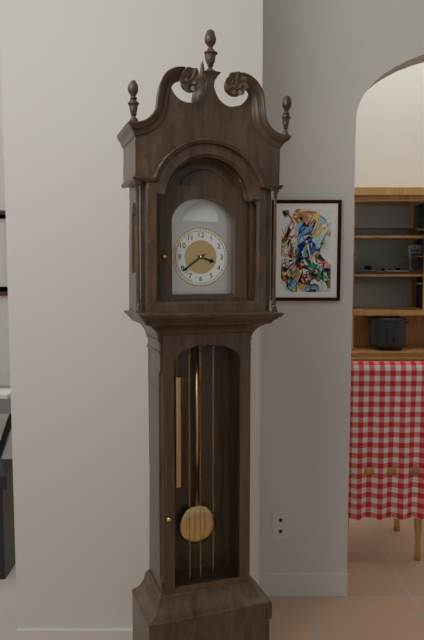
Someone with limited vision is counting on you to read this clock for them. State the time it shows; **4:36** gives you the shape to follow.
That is **3:39**
